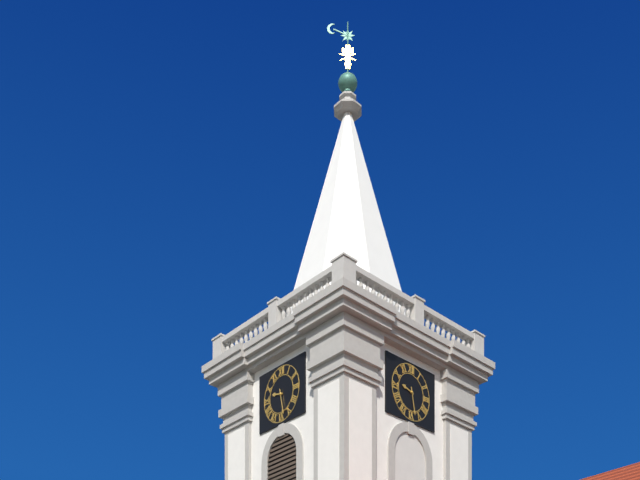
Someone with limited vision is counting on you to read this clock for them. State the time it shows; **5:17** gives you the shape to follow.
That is **9:28**
